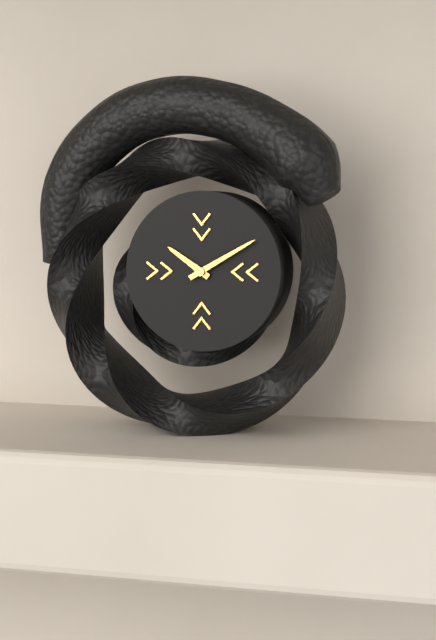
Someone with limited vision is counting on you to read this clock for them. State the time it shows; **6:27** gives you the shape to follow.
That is **10:10**
